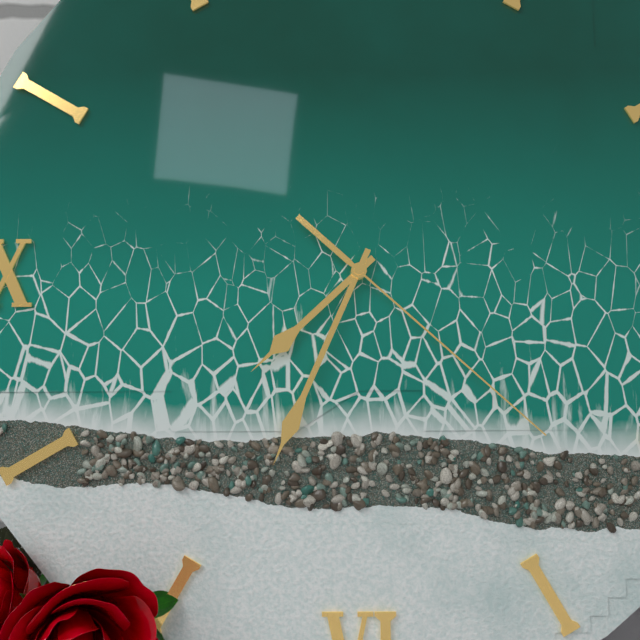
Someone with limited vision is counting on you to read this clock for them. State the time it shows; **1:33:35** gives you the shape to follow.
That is **7:34:22**
